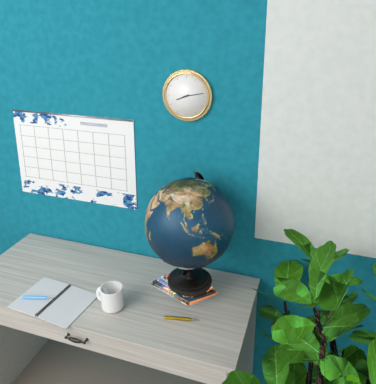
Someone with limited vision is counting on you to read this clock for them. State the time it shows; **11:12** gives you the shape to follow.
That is **8:13**
